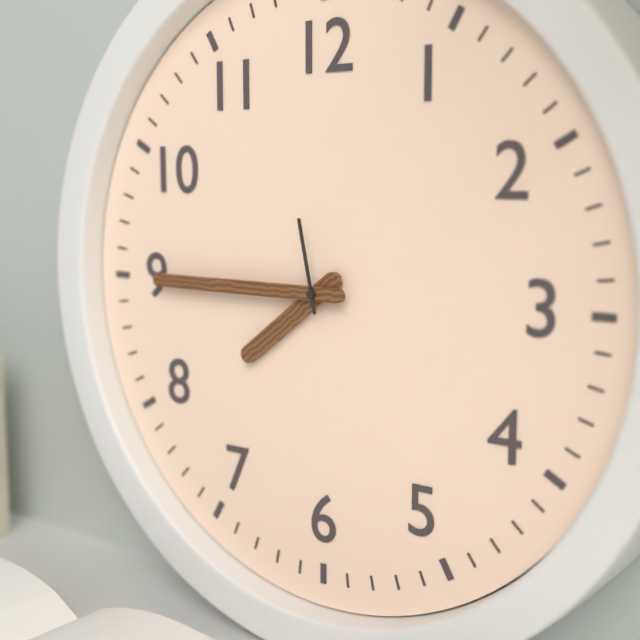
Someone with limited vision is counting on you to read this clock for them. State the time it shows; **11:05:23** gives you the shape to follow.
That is **7:45:58**
